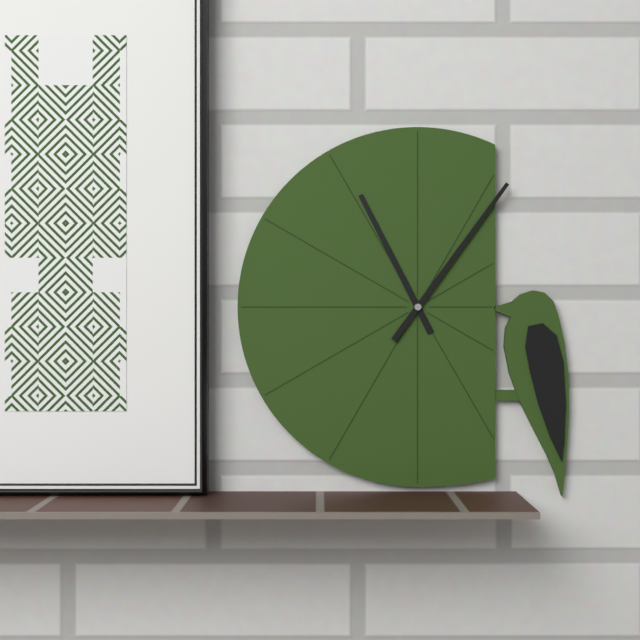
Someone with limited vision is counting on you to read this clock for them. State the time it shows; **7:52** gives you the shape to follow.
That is **11:06**
